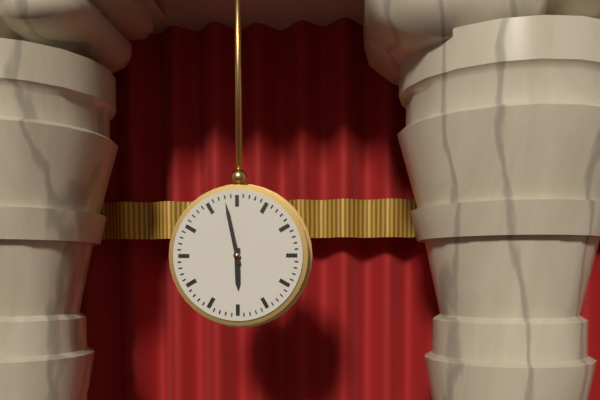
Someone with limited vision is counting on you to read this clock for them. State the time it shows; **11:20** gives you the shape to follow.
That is **5:58**
